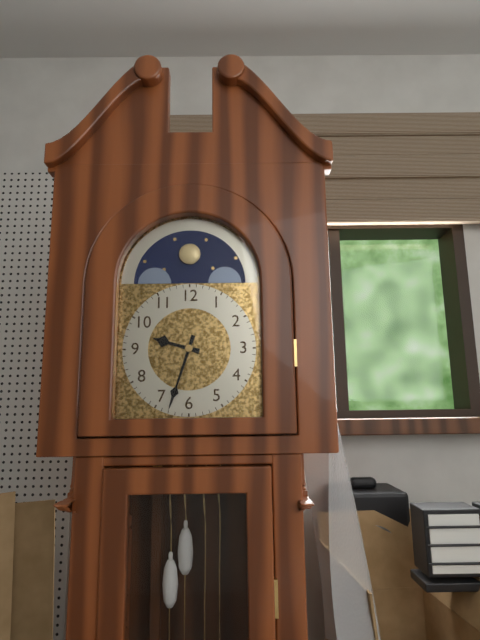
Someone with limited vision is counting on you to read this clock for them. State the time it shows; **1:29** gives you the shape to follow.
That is **9:33**
